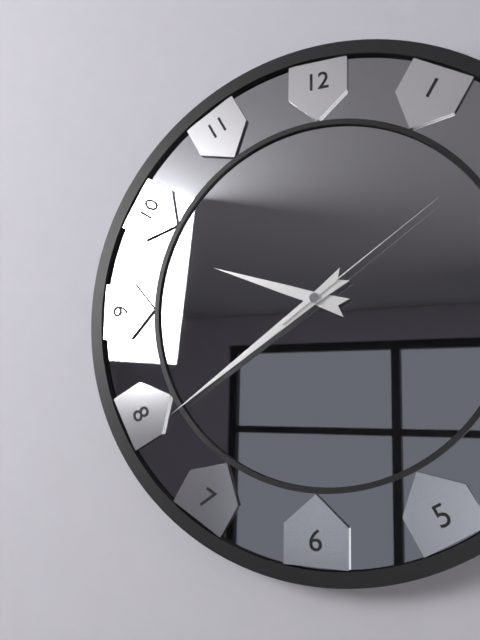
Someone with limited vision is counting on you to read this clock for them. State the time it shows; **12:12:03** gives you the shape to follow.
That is **9:39:09**
